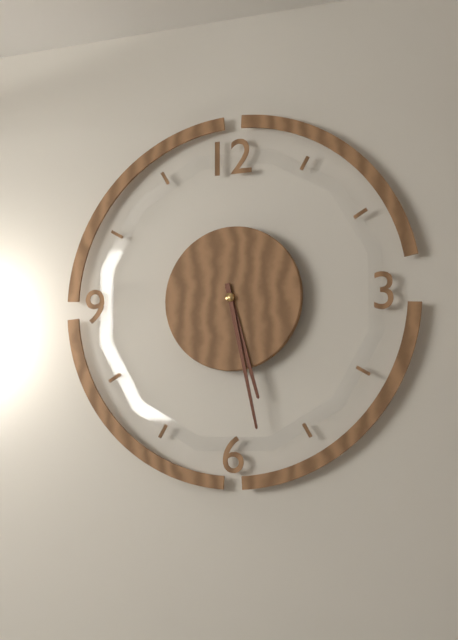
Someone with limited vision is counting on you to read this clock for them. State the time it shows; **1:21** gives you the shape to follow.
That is **5:28**
